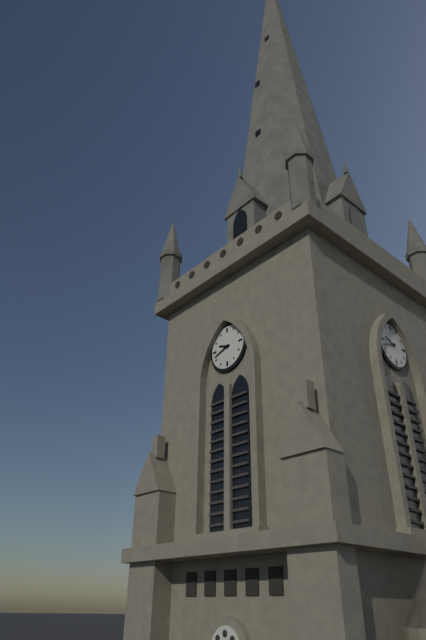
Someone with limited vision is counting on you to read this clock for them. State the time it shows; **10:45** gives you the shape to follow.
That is **9:42**
